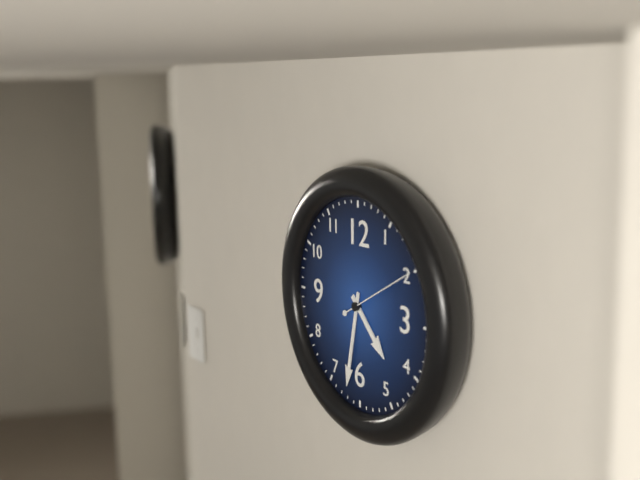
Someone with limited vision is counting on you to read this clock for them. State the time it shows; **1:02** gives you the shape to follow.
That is **4:32**
